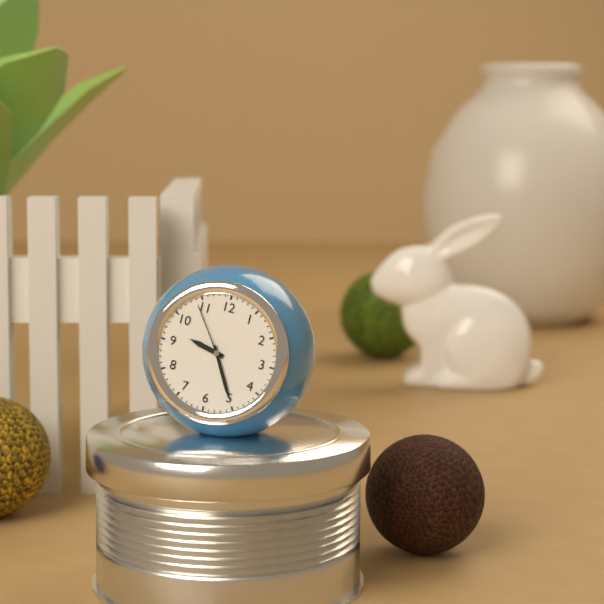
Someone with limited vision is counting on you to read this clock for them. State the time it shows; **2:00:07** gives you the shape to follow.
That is **9:25:54**
